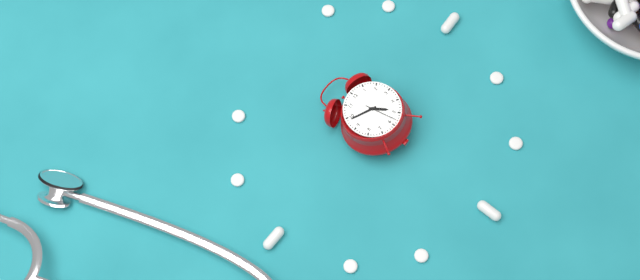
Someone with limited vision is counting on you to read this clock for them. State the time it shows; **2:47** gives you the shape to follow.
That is **4:49**
